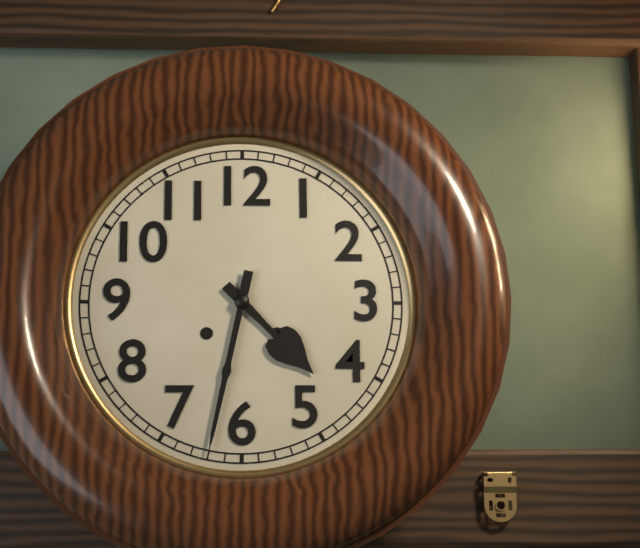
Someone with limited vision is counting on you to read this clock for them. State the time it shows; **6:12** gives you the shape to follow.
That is **4:32**
